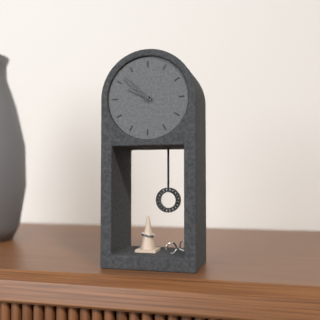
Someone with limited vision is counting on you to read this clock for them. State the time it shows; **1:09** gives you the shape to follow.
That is **9:52**
